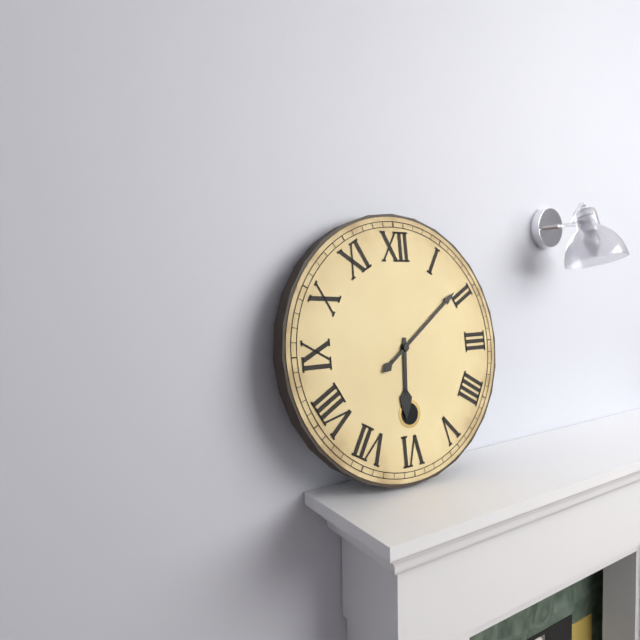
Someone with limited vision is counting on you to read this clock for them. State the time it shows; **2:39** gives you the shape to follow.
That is **6:09**
